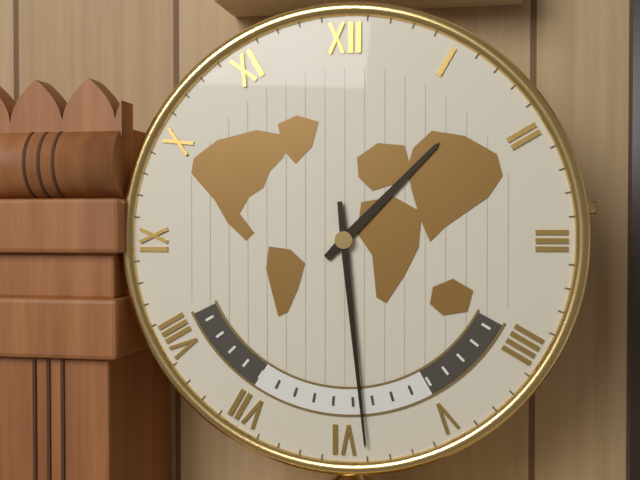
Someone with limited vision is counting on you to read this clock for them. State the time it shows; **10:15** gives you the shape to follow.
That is **1:29**
